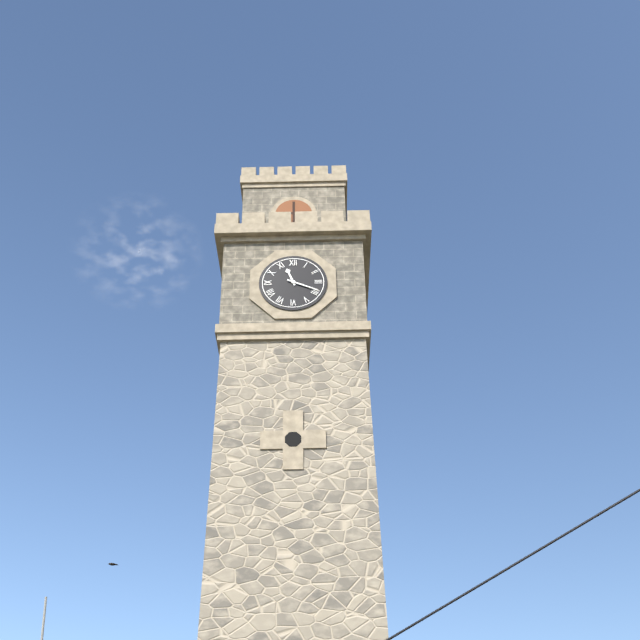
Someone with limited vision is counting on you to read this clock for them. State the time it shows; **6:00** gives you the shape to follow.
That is **11:19**
